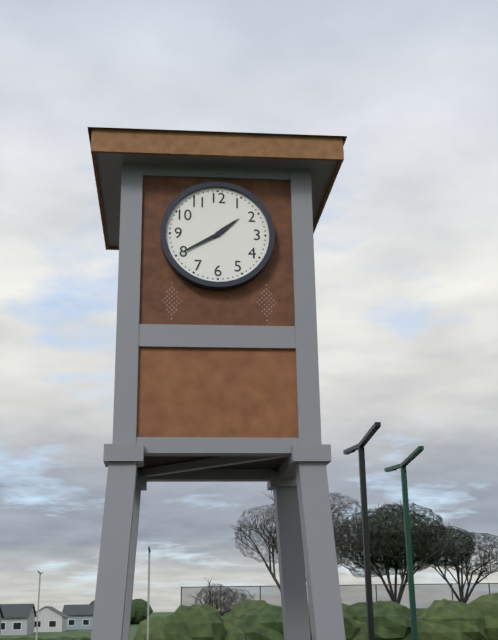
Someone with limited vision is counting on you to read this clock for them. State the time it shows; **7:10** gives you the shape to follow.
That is **1:40**
